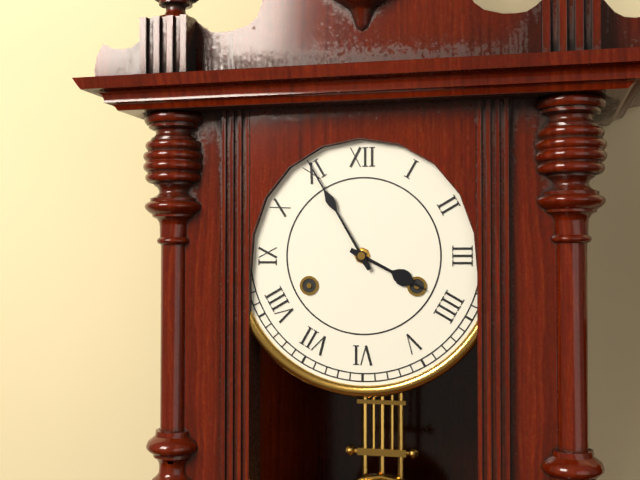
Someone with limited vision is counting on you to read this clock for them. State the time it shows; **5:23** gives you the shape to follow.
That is **3:55**
